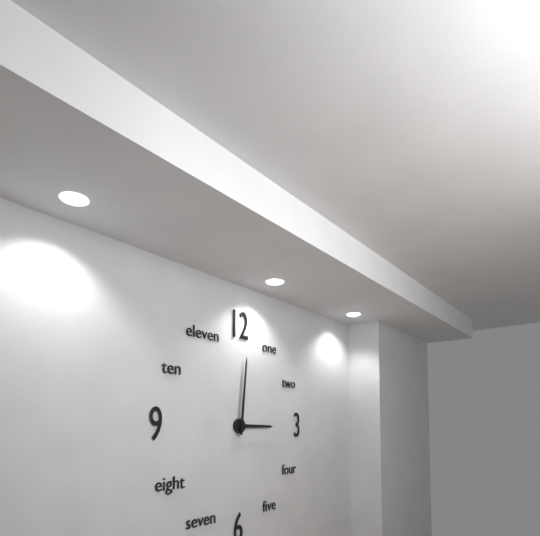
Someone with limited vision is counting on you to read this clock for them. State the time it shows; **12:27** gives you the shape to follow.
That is **3:01**
